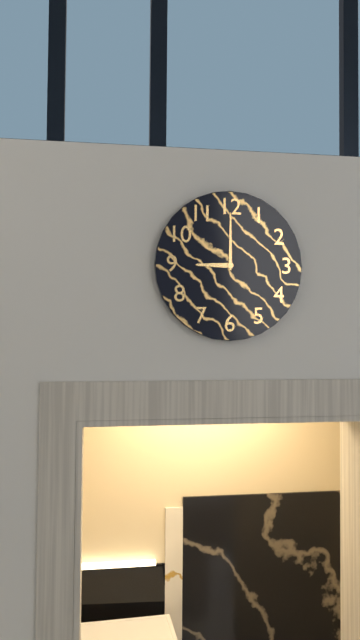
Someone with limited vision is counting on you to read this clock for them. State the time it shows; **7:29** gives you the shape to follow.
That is **9:00**
